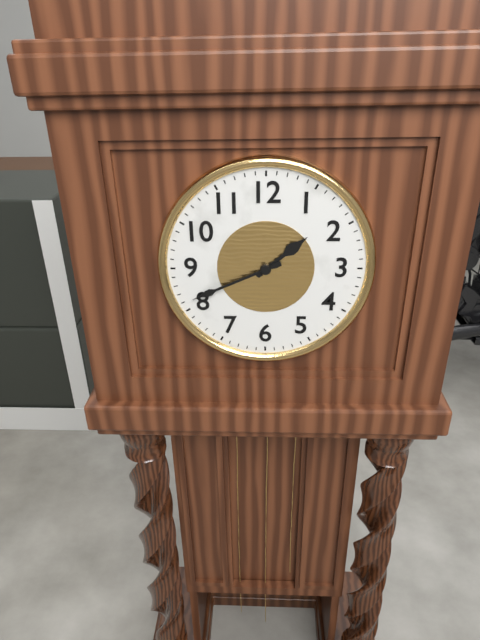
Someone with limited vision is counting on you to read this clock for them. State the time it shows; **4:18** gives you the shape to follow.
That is **1:41**
